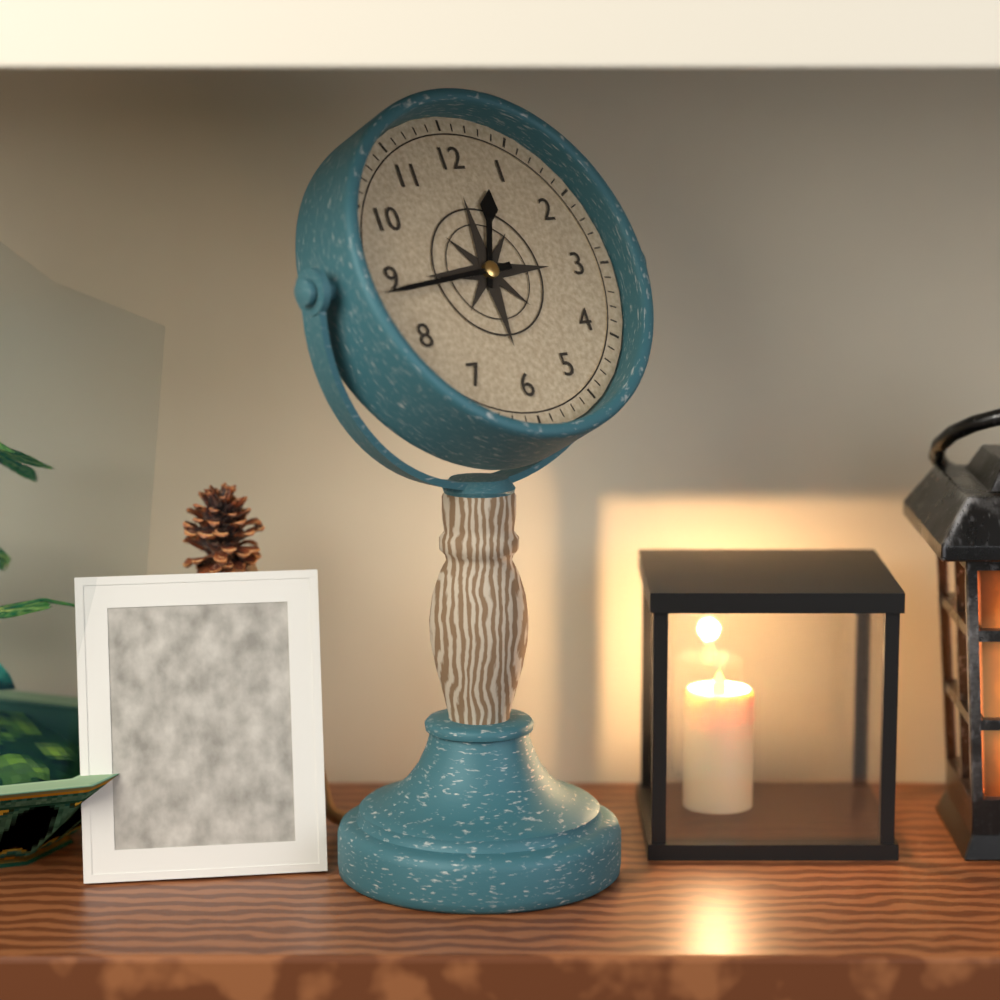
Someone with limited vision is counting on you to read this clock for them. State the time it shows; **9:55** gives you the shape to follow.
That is **12:44**
